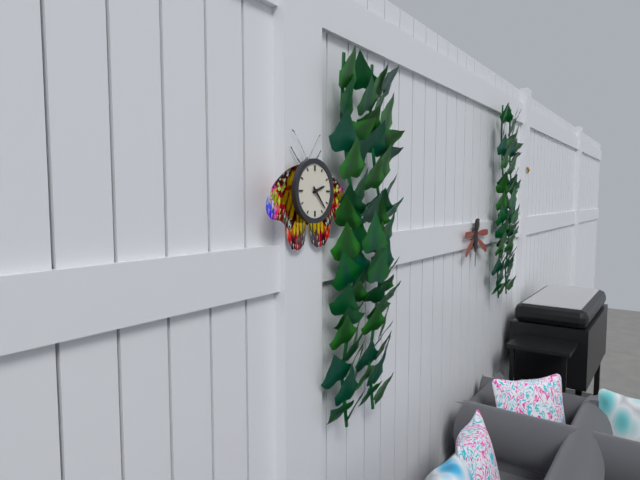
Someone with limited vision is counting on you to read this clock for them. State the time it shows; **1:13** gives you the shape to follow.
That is **2:23**
